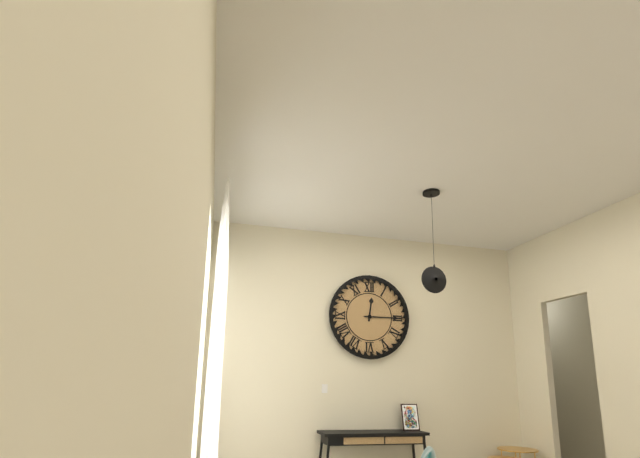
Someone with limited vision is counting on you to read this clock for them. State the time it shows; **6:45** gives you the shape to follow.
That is **12:15**
